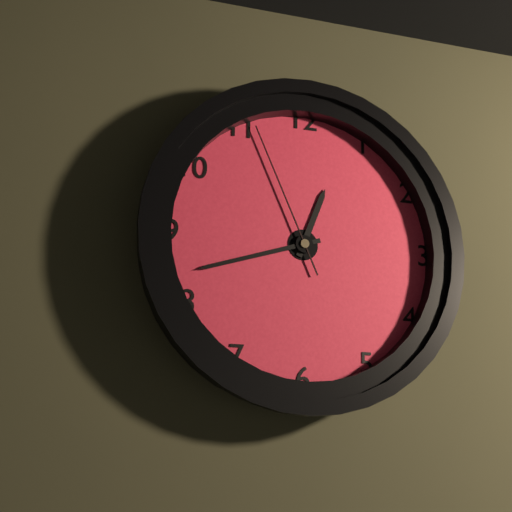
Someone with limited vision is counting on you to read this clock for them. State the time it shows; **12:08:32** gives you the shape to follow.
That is **12:42:56**
